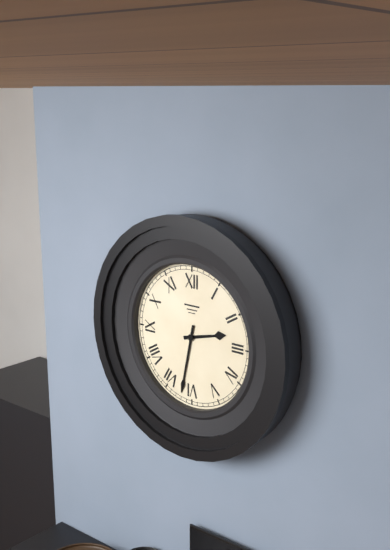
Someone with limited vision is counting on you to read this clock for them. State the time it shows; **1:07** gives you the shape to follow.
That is **2:32**
